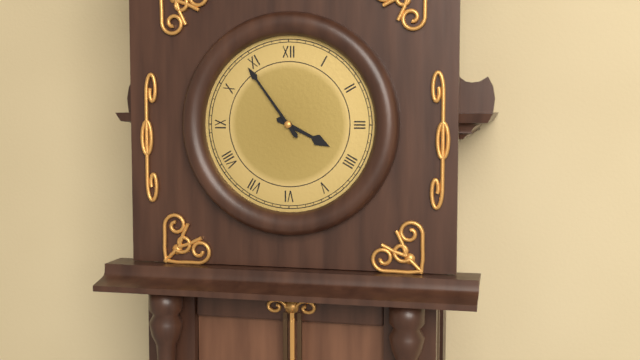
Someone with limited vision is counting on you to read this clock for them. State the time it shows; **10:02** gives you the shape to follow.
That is **3:54**
